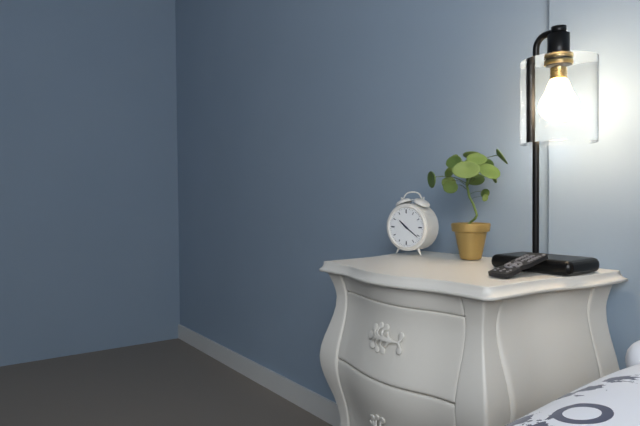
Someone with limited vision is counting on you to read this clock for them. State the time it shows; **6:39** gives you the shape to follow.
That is **10:21**
